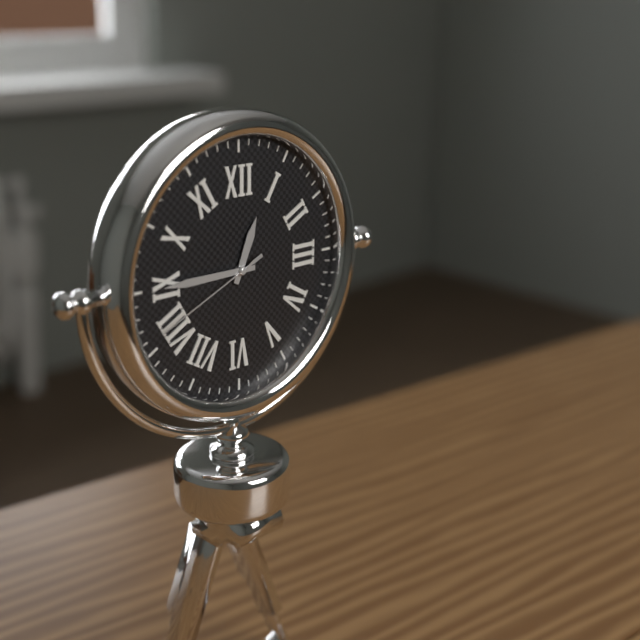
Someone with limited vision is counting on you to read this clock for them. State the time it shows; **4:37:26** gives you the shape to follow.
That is **12:45:41**
